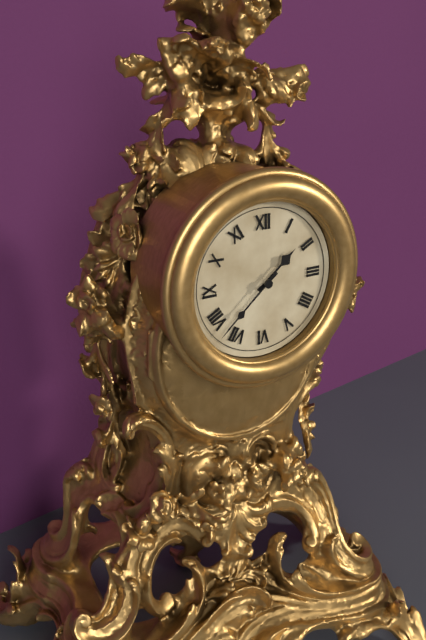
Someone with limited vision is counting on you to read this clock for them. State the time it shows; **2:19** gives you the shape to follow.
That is **1:38**
